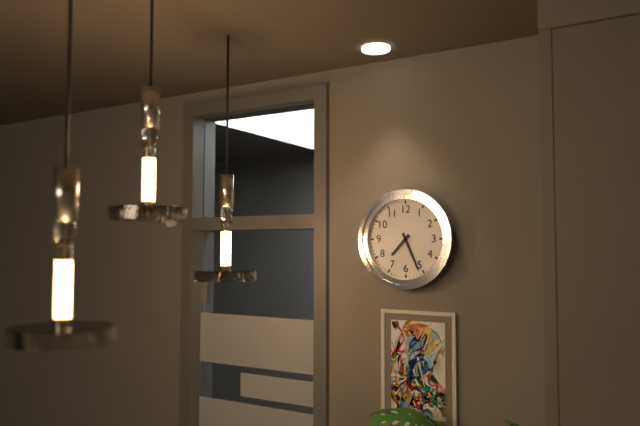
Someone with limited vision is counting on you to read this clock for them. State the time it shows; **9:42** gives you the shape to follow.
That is **7:26**
